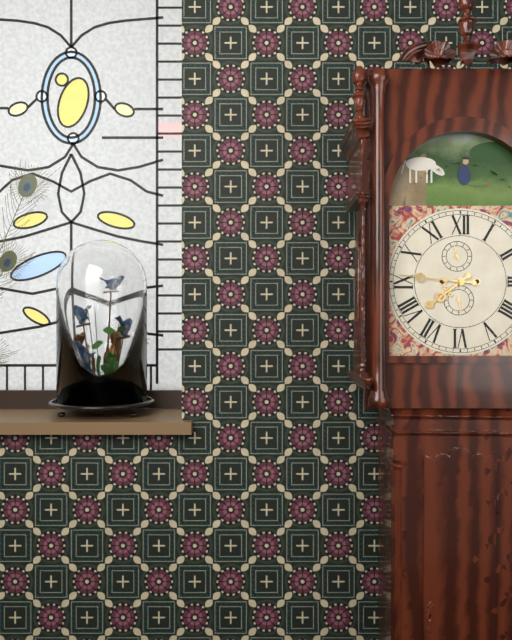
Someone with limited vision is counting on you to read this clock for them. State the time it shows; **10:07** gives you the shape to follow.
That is **7:46**
